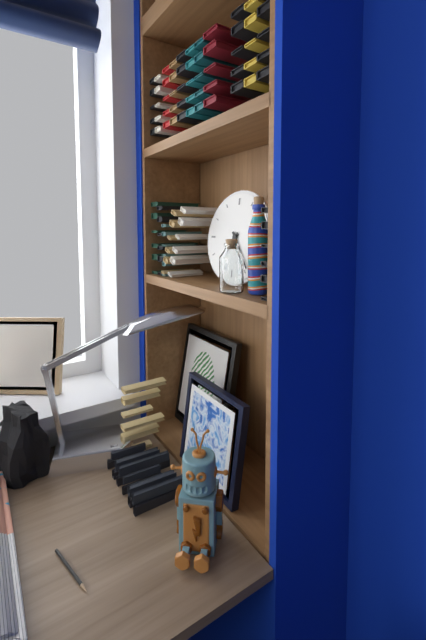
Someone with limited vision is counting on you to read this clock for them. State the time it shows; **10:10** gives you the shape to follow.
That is **7:24**
